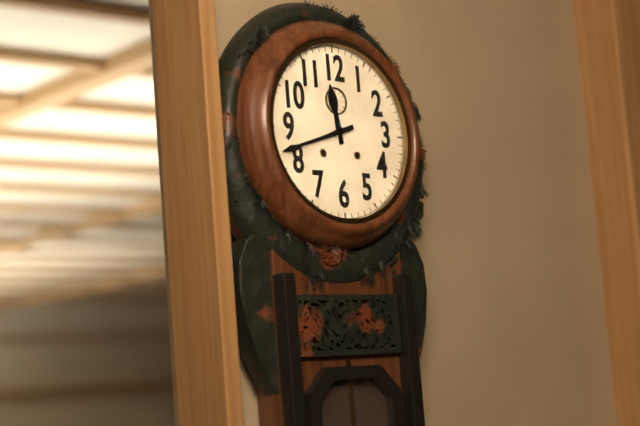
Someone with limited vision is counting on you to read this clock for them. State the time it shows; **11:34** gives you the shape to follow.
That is **11:42**
